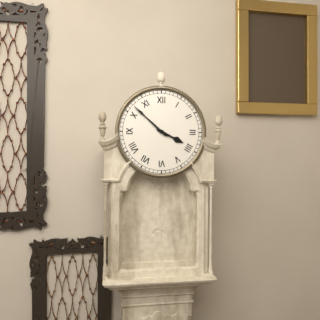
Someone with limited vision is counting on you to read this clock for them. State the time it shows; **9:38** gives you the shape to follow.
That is **3:52**
